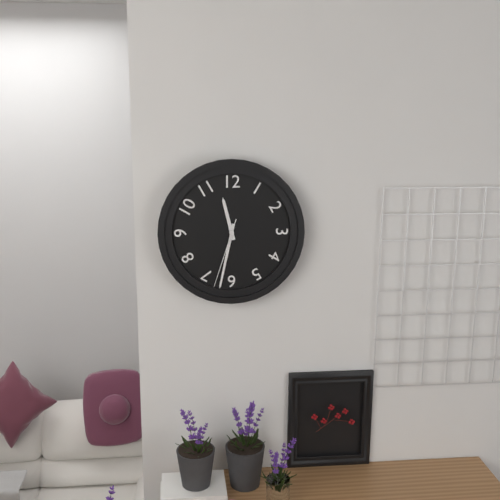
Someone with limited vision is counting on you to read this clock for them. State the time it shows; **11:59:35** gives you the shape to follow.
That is **11:32:33**
